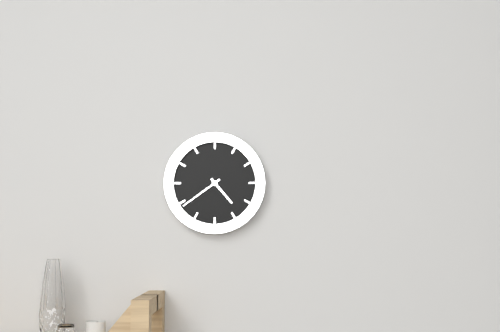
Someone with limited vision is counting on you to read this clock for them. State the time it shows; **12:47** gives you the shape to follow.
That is **4:39**
